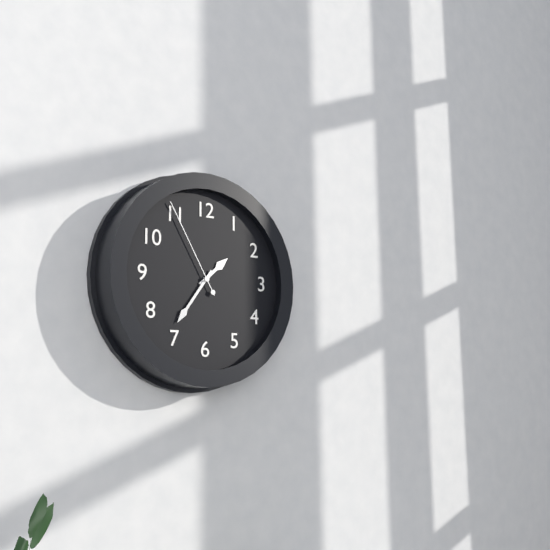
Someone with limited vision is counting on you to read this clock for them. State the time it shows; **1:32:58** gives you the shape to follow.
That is **1:36:55**
